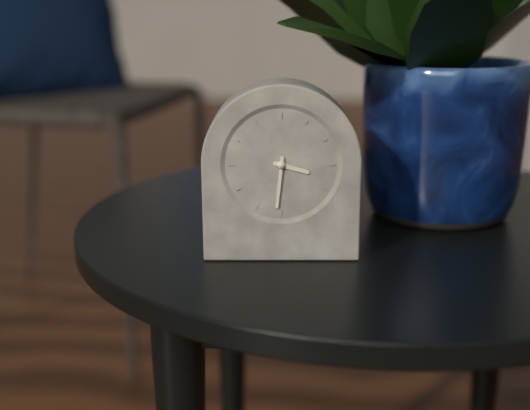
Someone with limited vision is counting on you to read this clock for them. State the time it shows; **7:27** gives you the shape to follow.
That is **3:31**
